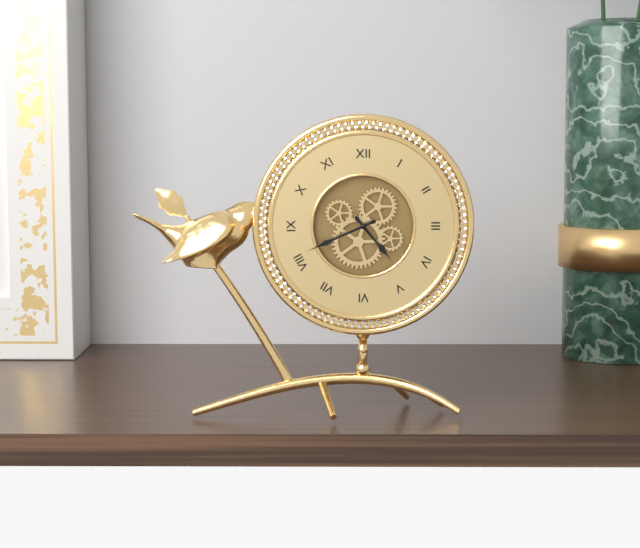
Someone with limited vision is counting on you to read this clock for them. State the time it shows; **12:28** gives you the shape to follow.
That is **4:41**
